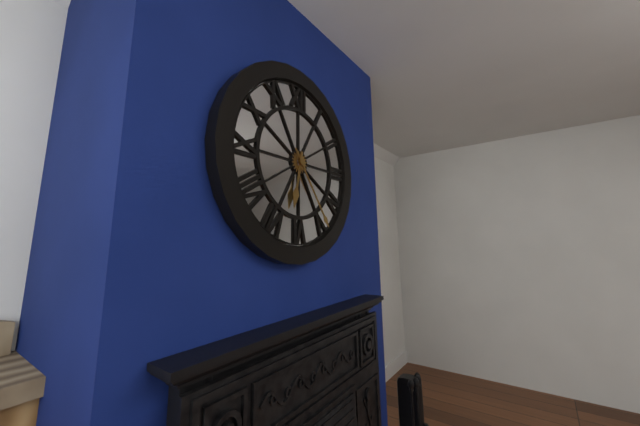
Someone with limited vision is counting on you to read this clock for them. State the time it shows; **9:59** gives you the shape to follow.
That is **6:24**
